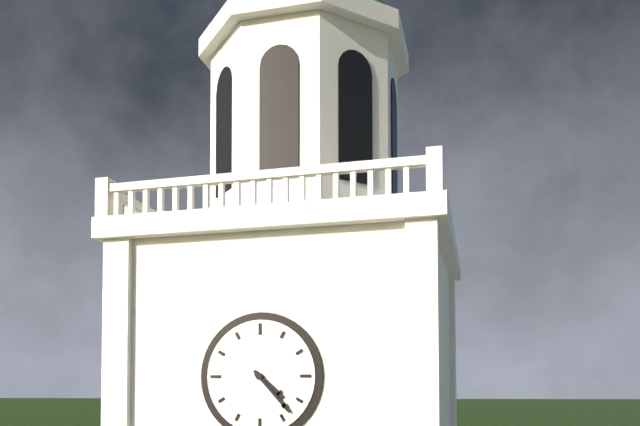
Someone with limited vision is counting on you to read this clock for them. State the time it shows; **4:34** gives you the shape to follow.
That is **4:23**
